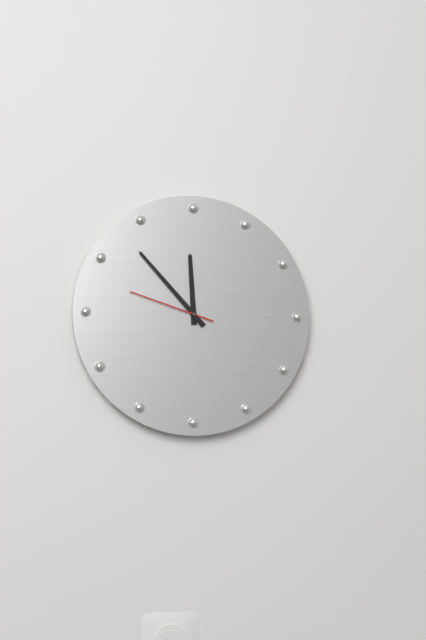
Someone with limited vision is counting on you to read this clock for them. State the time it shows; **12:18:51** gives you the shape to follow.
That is **11:53:48**
